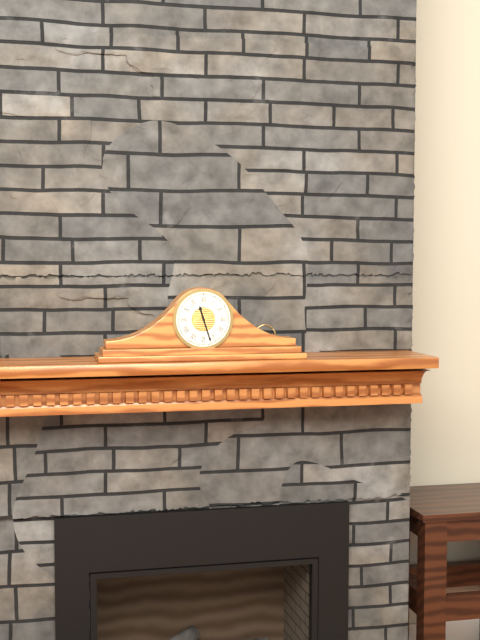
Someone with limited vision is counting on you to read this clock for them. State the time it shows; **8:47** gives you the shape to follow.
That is **11:27**
